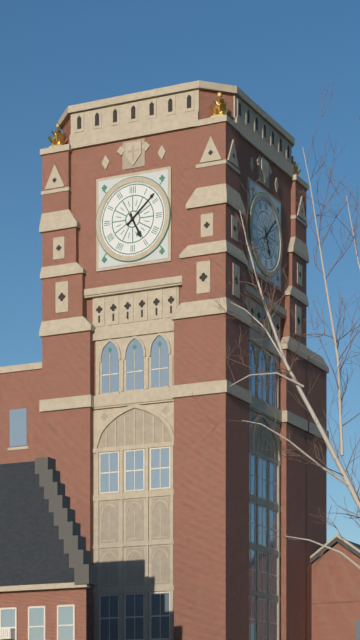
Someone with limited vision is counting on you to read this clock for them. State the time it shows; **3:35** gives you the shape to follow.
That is **5:08**
